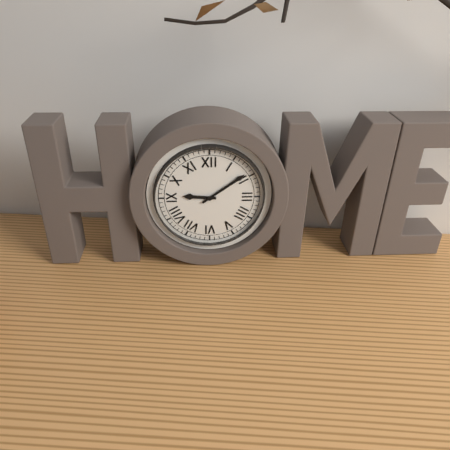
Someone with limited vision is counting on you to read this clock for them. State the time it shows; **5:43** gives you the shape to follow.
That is **9:09**
